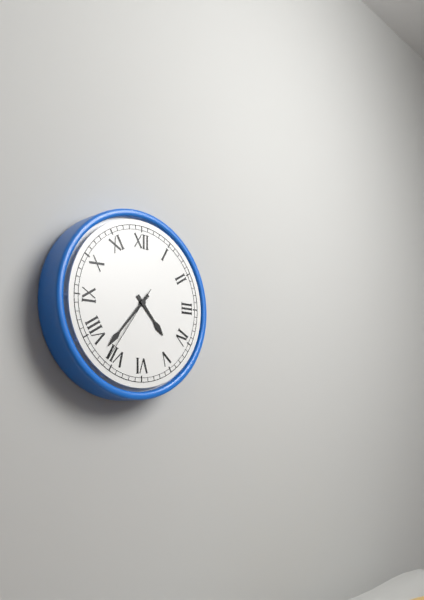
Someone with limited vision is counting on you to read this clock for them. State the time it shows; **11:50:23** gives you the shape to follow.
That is **4:37:36**
